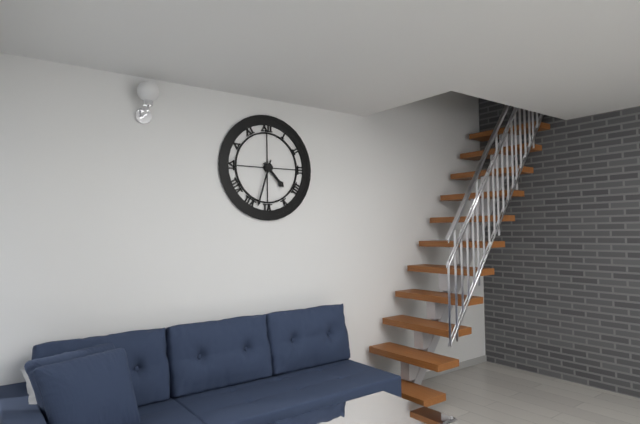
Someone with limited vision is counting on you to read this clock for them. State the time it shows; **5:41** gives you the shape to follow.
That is **4:33**
